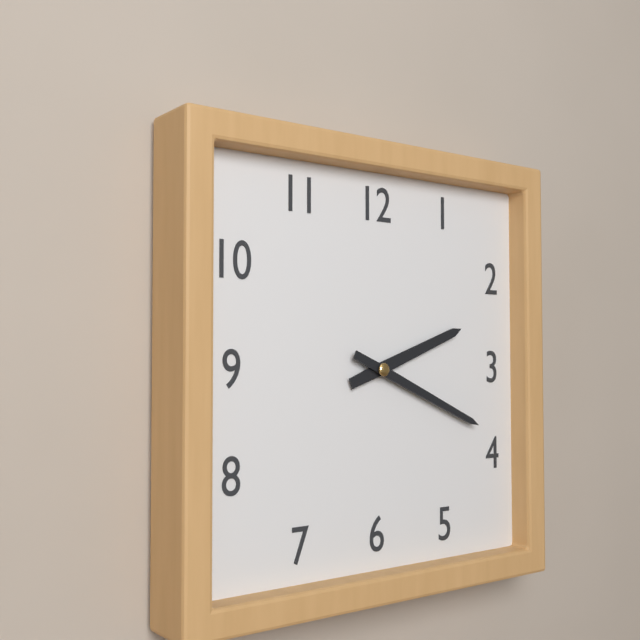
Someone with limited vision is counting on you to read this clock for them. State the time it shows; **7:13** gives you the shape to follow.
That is **2:19**
